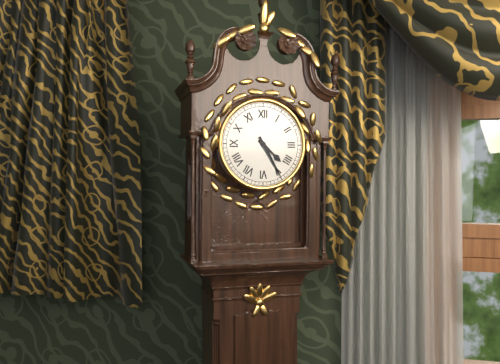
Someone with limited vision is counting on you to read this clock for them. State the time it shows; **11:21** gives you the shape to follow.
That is **4:25**
